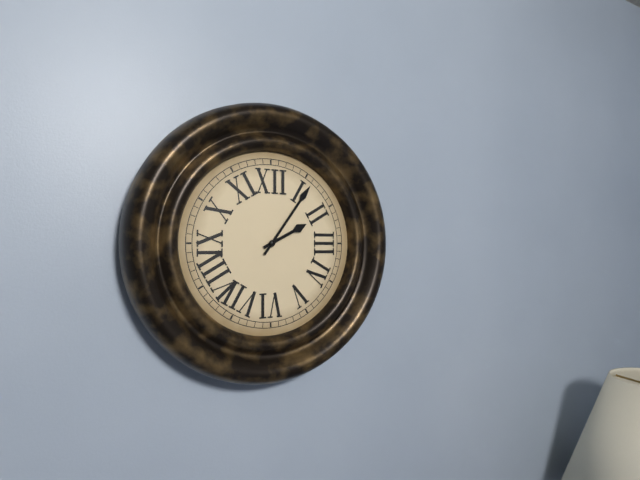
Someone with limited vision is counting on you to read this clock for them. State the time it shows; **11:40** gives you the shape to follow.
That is **2:06**
